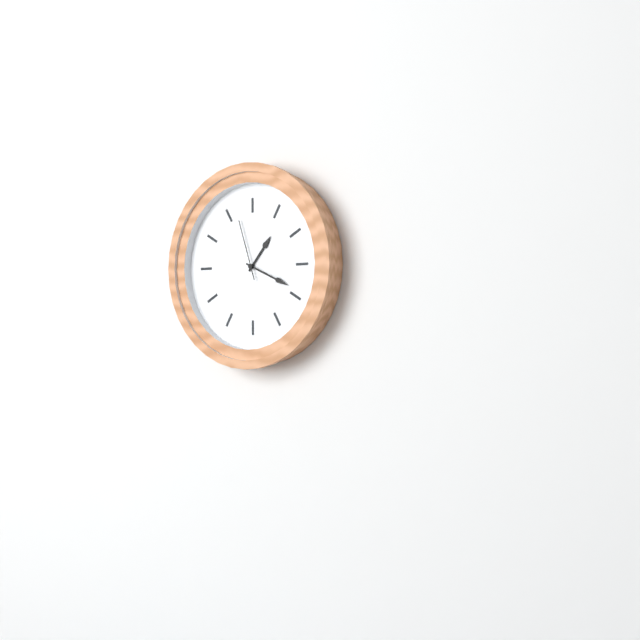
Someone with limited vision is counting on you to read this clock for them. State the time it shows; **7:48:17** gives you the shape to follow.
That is **1:19:57**
